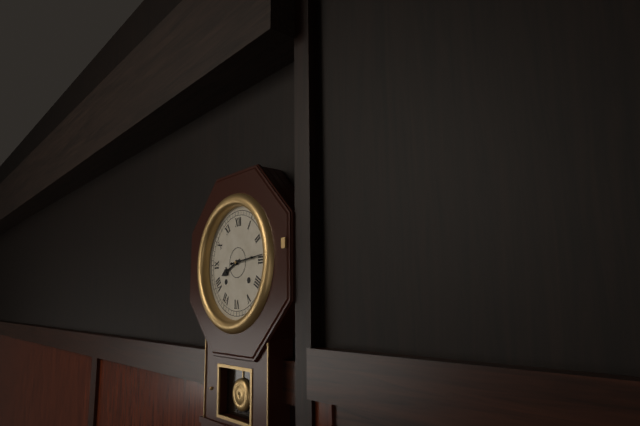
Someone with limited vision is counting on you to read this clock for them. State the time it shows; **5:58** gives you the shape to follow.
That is **8:14**
